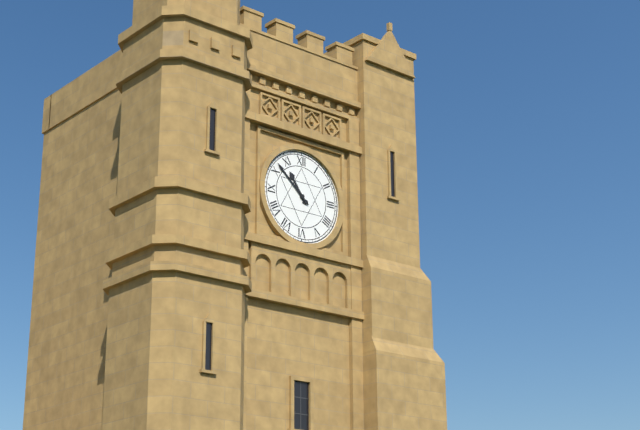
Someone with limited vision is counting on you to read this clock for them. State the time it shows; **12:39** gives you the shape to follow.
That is **10:52**
